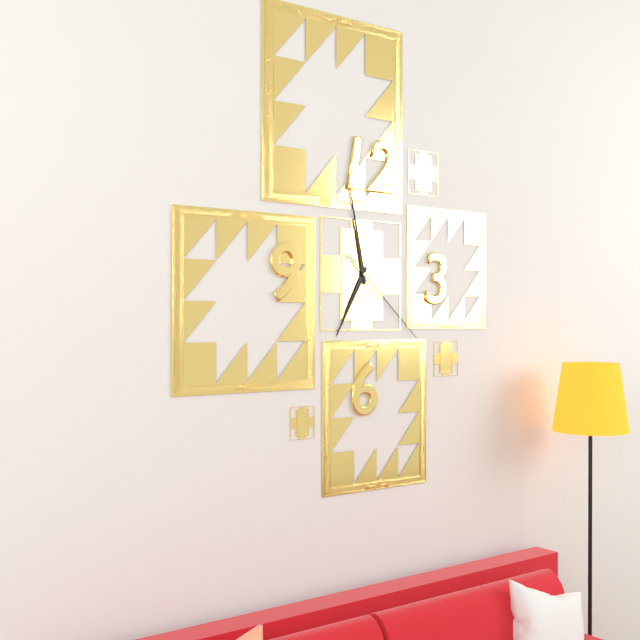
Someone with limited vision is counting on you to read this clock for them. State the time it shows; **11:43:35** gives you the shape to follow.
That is **6:58:22**
